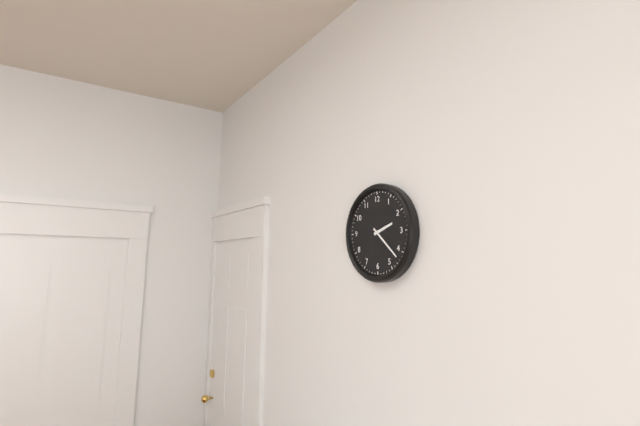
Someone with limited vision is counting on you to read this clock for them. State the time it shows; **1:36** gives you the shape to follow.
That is **2:22**
